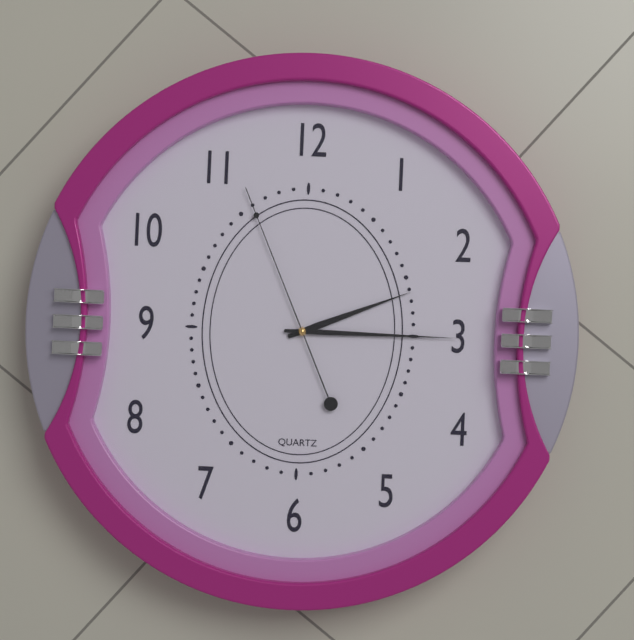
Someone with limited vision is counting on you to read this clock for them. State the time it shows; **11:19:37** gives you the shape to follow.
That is **2:15:56**
